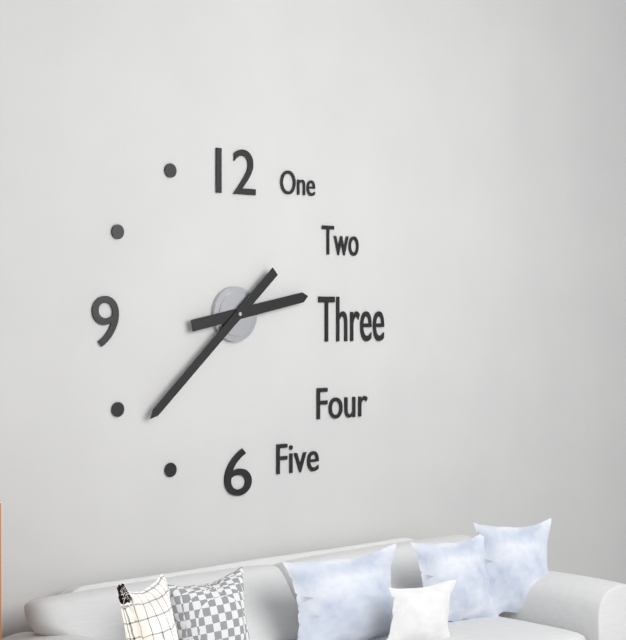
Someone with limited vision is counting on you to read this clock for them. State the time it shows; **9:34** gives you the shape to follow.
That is **2:38**
